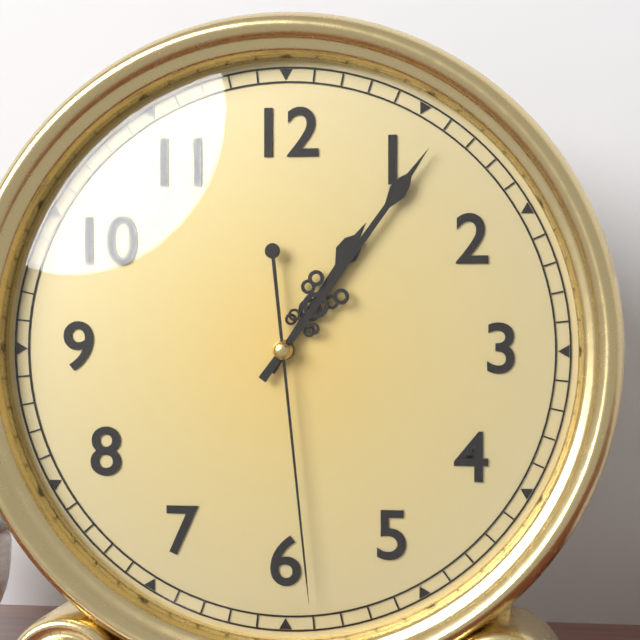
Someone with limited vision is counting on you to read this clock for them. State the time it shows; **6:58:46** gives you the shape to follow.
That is **1:06:29**
